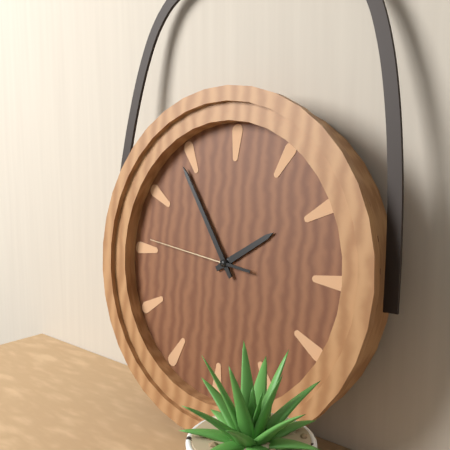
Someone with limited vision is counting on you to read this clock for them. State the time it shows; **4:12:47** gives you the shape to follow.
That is **1:54:46**
